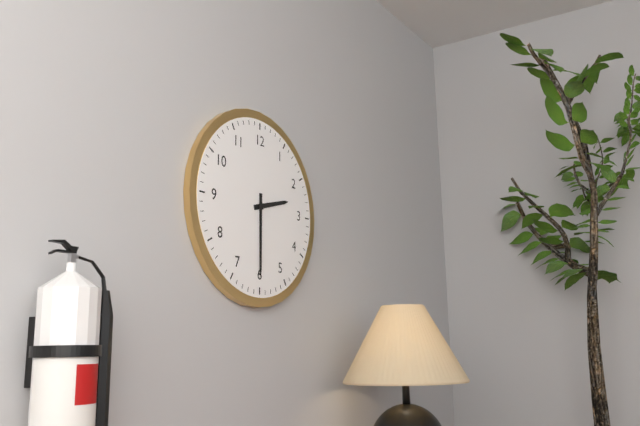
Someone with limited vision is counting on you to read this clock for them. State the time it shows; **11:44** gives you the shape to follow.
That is **2:30**
